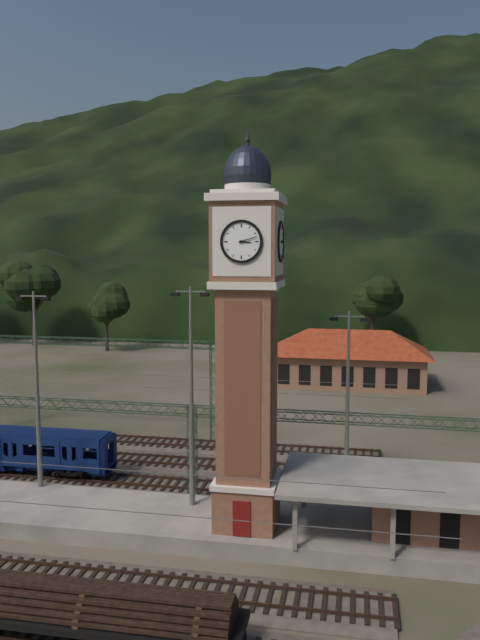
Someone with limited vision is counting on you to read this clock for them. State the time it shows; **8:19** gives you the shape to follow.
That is **3:12**
